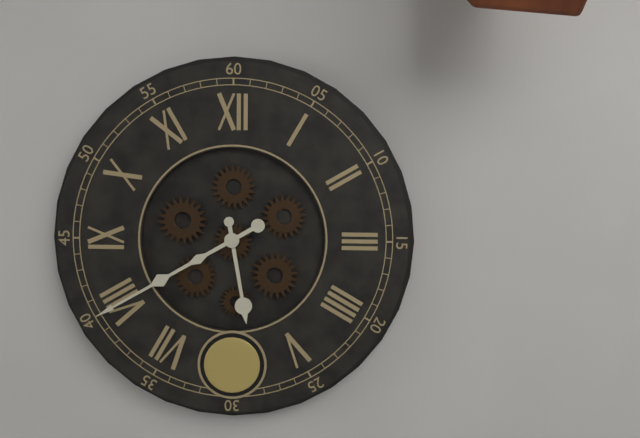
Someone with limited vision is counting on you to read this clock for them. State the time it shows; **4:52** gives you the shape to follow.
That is **5:40**
